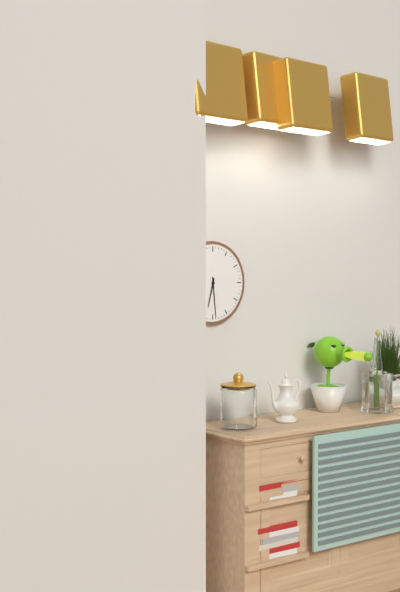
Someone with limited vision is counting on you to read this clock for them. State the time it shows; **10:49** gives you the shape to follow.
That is **6:29**
